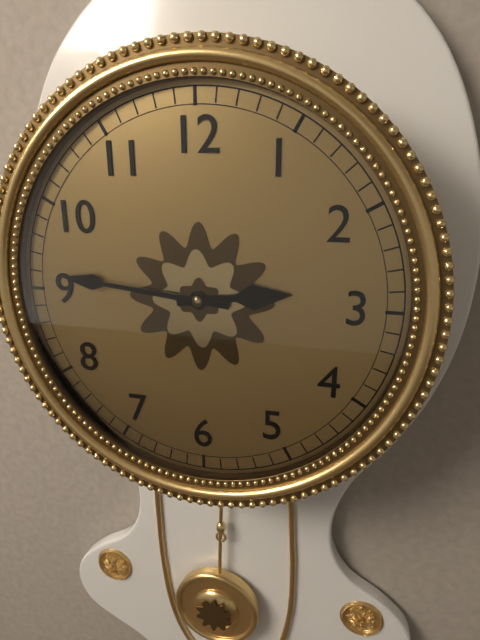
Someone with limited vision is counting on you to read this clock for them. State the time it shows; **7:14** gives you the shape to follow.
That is **2:46**
